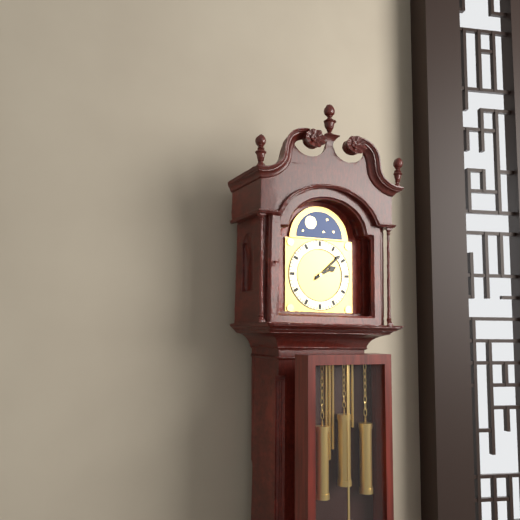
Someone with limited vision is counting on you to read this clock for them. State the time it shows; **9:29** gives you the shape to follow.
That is **2:08**
